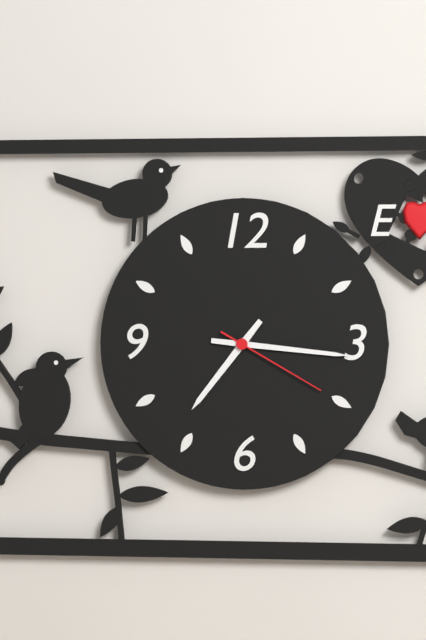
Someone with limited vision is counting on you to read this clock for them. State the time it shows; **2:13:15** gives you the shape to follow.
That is **7:16:20**
